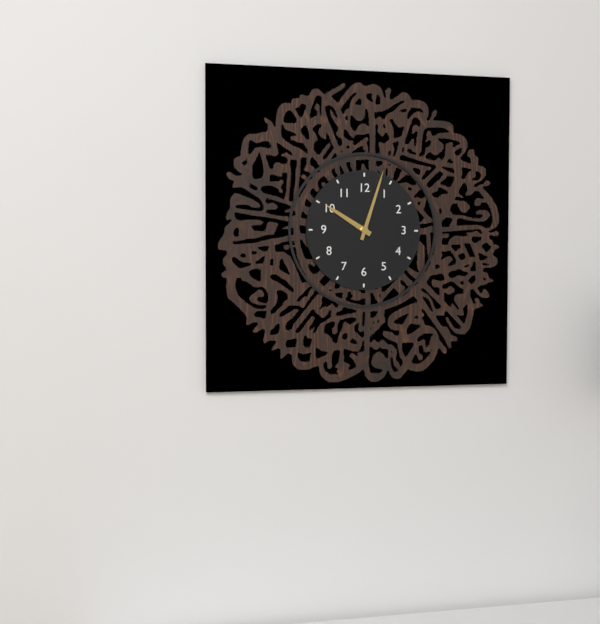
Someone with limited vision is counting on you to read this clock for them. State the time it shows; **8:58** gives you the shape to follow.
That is **10:03**
